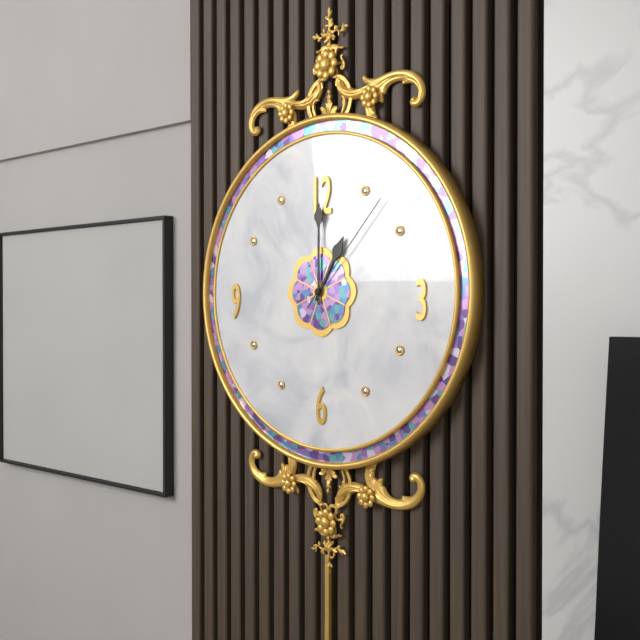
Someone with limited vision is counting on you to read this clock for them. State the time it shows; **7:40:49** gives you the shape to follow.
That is **1:00:07**
